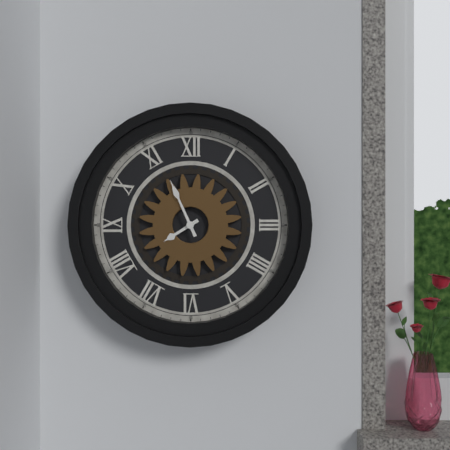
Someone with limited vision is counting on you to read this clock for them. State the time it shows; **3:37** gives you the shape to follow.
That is **7:56**
